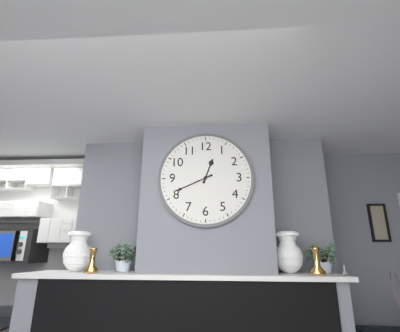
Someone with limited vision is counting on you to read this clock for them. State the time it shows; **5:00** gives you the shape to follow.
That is **12:41**
